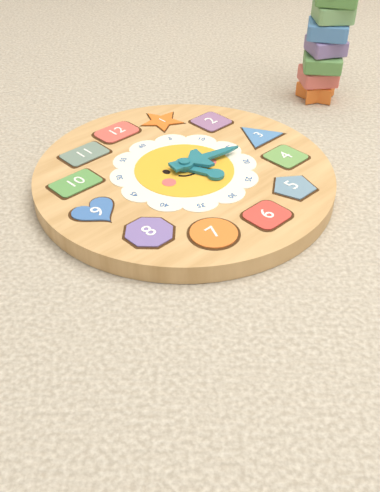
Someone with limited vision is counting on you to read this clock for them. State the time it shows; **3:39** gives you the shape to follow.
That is **5:17**
